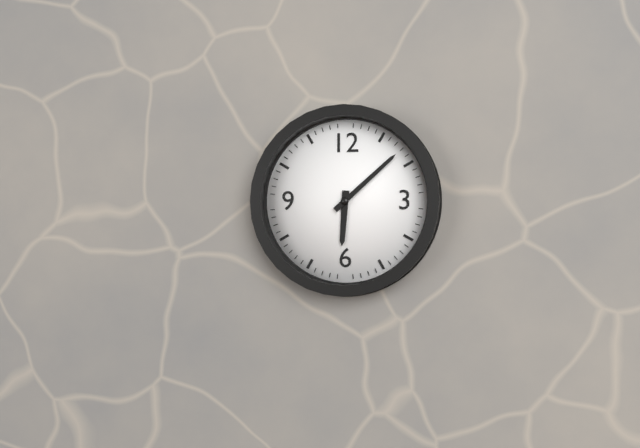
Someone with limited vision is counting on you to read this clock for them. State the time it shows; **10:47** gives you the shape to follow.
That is **6:08**
